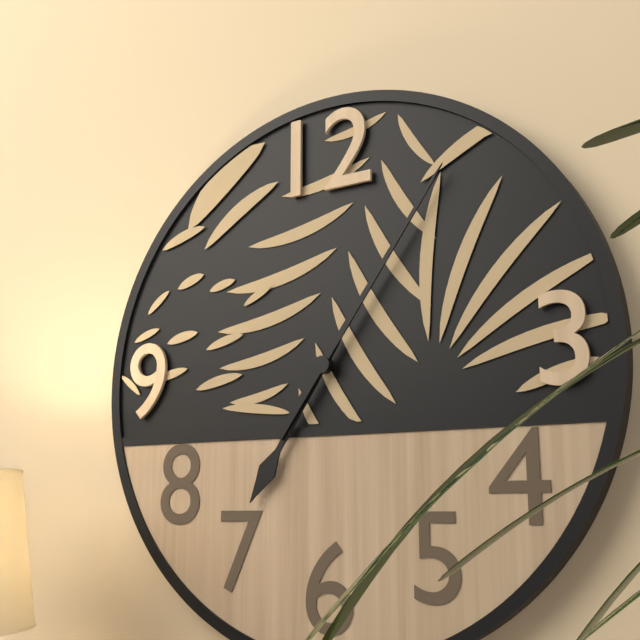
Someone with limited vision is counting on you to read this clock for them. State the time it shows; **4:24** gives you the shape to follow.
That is **7:06**
